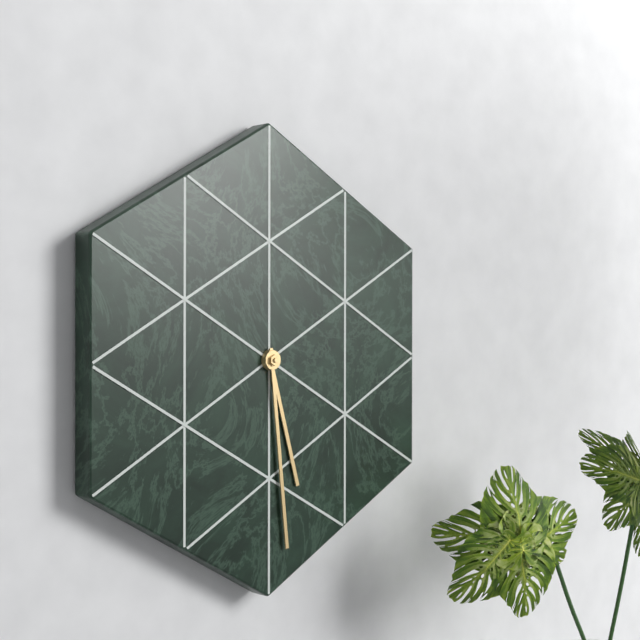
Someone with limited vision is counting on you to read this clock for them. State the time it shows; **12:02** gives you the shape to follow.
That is **5:29**
